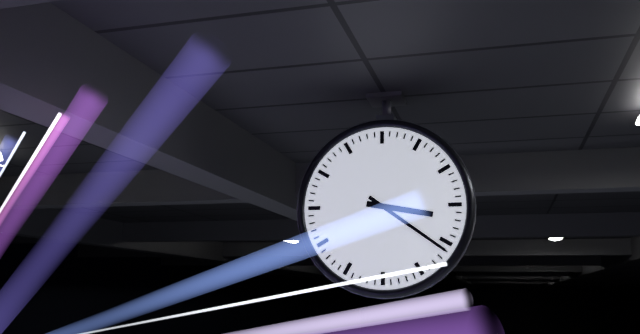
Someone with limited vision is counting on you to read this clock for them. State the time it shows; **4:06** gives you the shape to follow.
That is **3:21**
